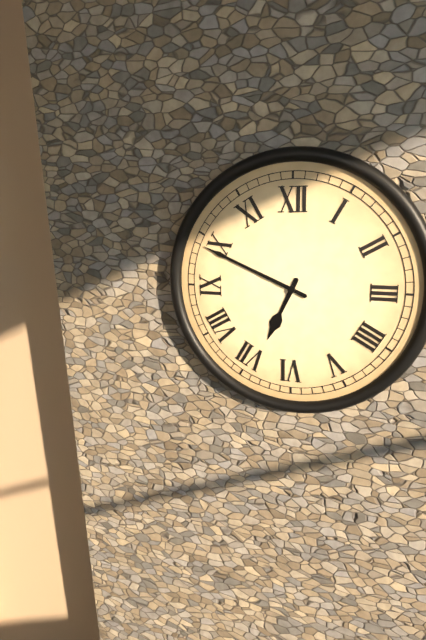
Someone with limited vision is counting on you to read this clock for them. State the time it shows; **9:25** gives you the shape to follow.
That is **6:49**
